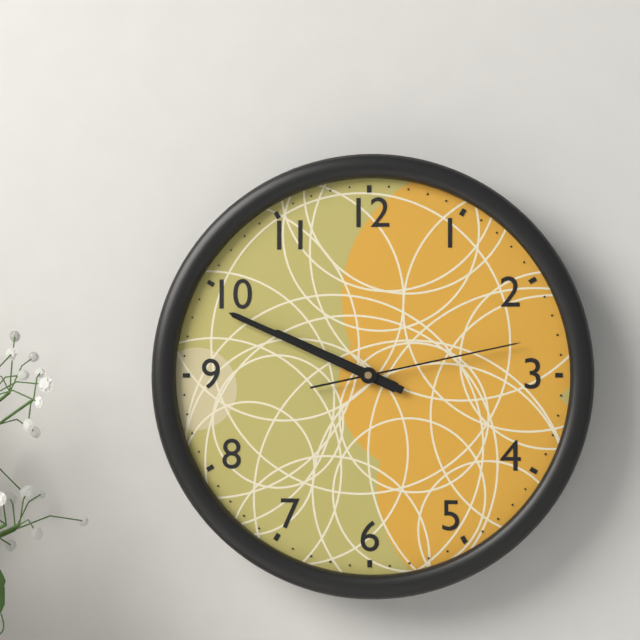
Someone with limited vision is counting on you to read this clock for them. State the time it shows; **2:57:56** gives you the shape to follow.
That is **9:49:13**
